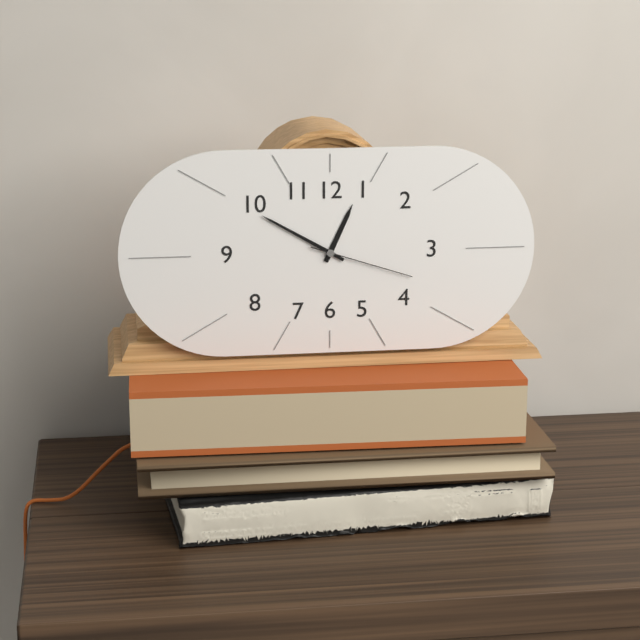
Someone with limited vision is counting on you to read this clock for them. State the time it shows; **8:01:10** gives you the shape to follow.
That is **12:50:18**
